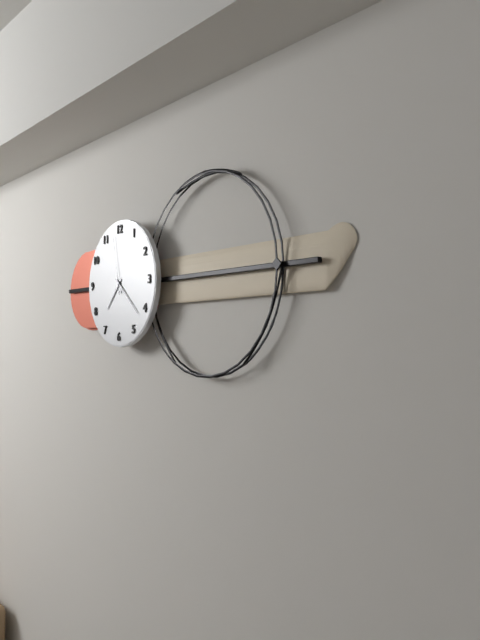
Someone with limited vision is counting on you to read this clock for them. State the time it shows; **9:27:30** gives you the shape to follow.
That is **7:22:58**
